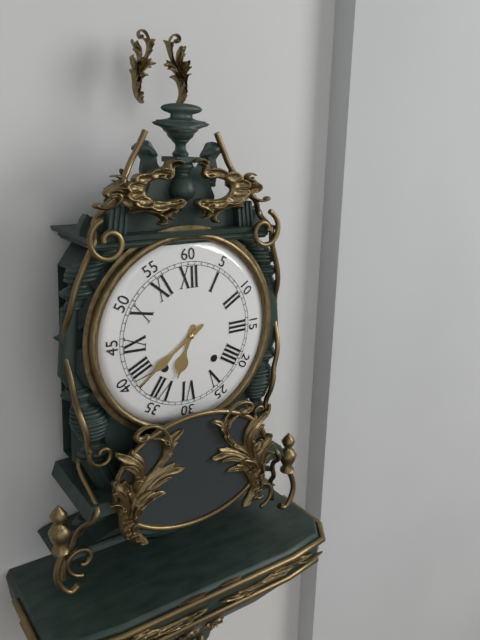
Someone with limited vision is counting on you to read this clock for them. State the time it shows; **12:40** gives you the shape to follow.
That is **6:39**
